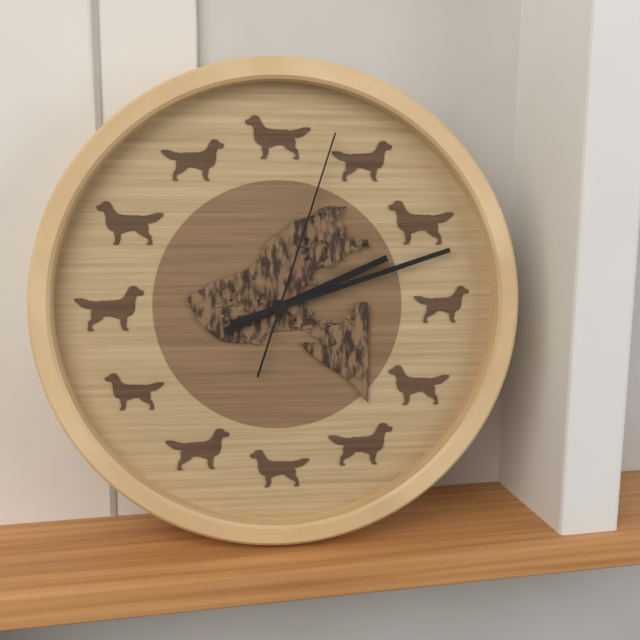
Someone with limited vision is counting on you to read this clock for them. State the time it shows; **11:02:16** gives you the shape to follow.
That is **2:12:03**
